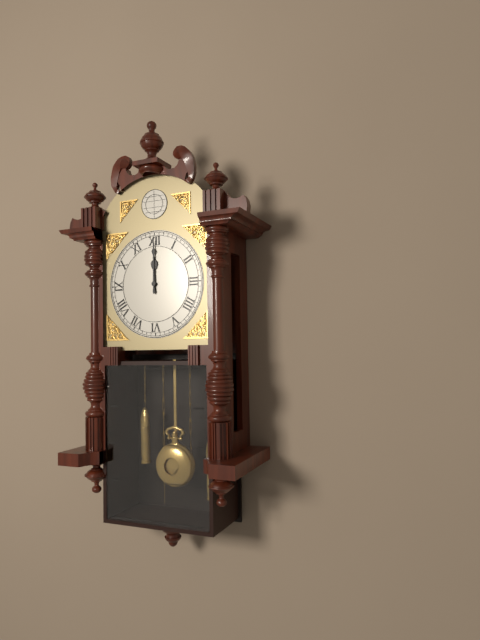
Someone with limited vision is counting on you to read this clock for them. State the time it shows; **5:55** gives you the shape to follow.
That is **12:00**
